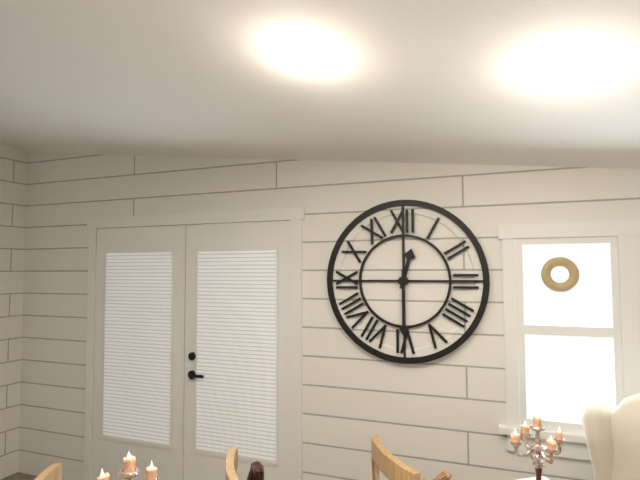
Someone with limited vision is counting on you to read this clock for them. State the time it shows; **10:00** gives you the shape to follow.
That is **12:30**
